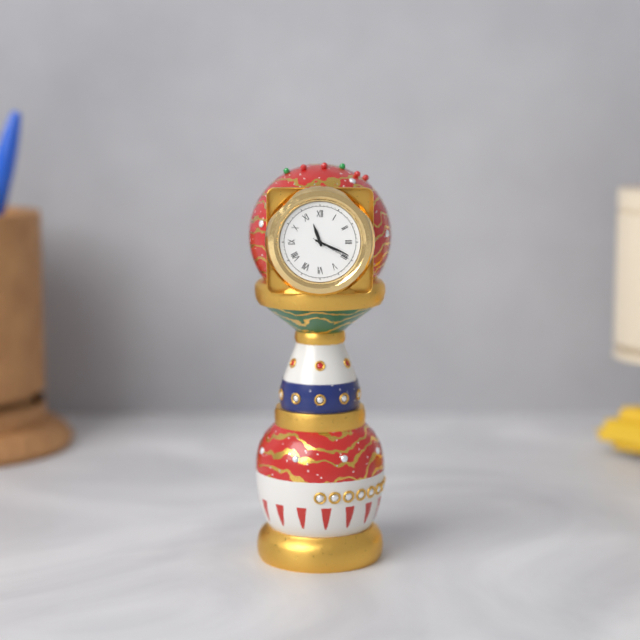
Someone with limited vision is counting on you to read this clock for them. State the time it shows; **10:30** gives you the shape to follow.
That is **11:19**
